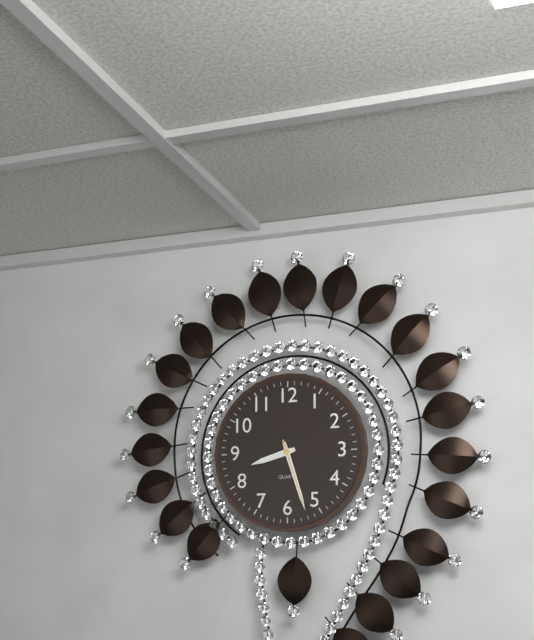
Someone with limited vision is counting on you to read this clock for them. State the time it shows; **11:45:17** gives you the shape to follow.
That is **8:27:27**
